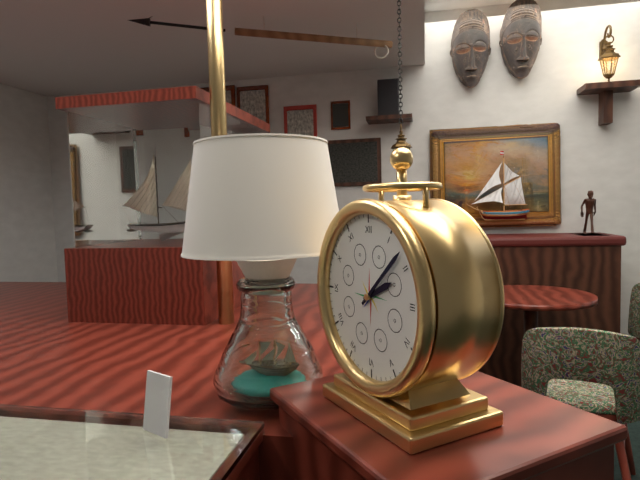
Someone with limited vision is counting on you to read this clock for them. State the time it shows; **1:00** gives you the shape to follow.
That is **2:08**
